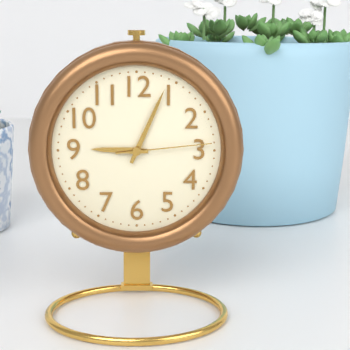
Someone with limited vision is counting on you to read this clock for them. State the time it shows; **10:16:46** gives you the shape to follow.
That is **9:04:14**
